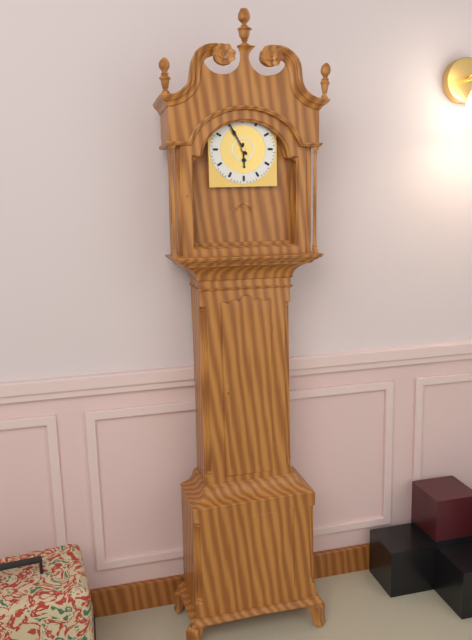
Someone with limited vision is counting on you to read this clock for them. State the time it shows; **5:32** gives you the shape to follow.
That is **5:55**
